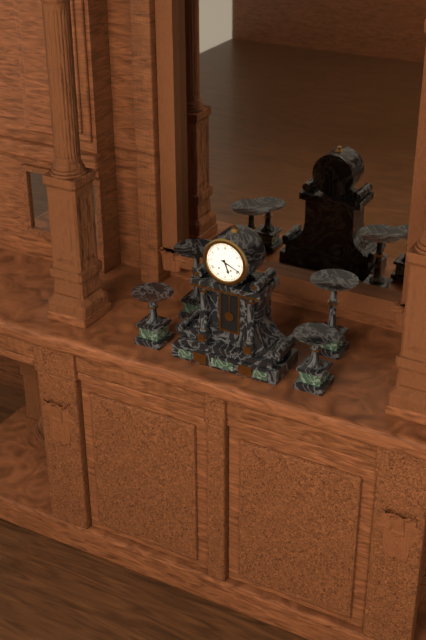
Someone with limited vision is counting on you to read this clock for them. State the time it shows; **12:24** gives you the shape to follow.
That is **5:19**
